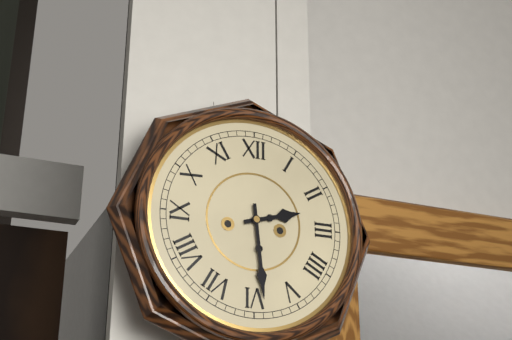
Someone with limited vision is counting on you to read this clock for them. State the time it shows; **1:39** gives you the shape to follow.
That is **2:29**
